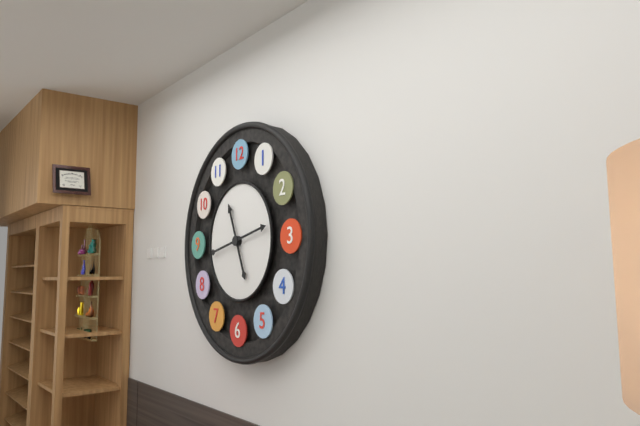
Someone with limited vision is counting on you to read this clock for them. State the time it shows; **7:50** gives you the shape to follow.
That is **11:13**
